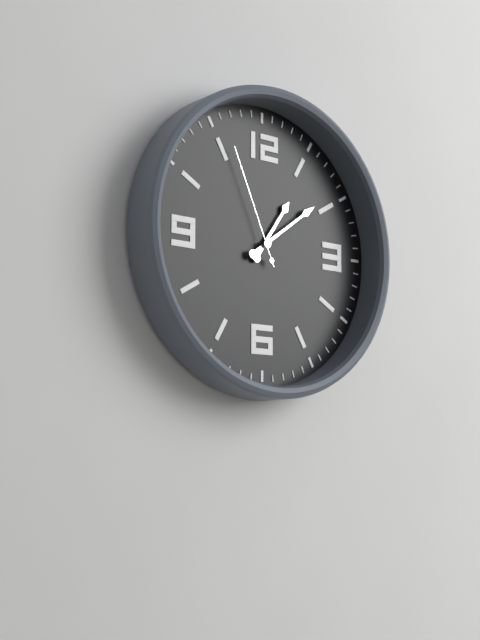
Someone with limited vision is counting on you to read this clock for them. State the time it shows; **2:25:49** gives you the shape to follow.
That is **1:09:56**
